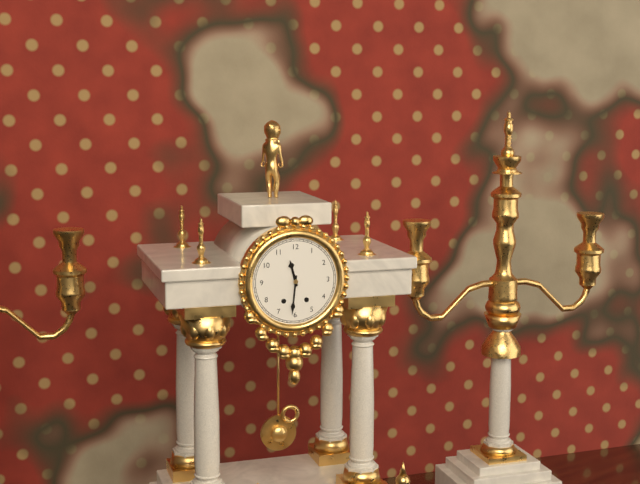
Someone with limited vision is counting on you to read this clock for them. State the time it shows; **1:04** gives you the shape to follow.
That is **11:31**
